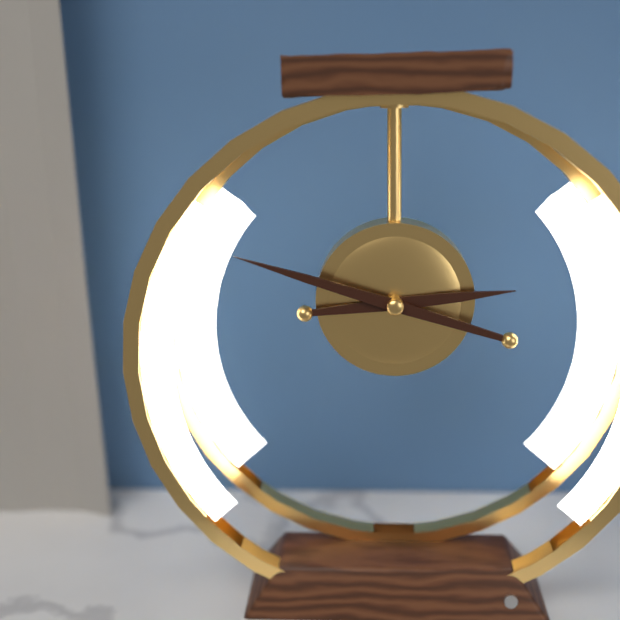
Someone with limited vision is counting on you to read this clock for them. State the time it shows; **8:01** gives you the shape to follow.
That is **2:48**
